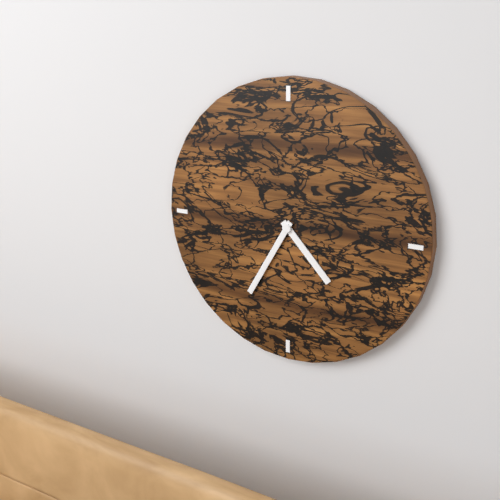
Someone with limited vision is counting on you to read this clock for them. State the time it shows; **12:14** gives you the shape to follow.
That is **4:35**
